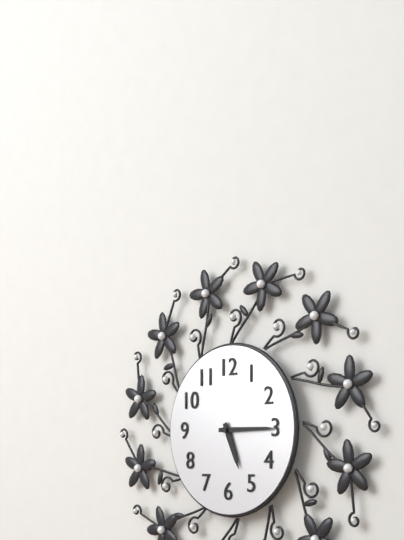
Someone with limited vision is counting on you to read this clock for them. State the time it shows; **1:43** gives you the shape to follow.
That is **5:15**
